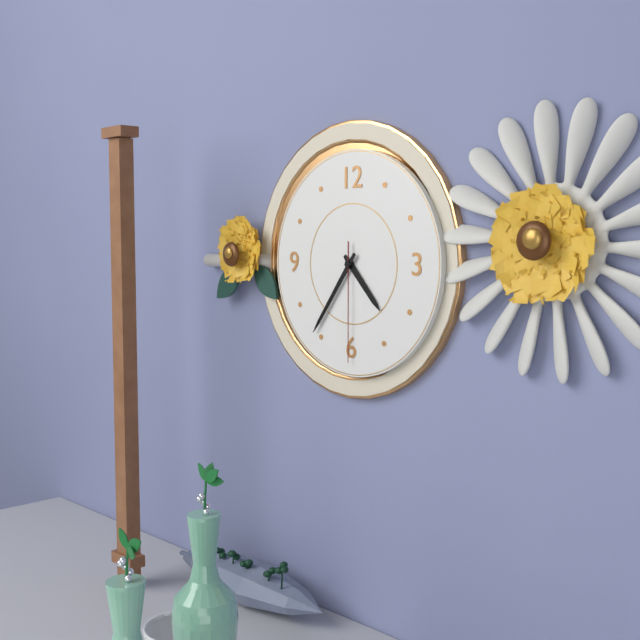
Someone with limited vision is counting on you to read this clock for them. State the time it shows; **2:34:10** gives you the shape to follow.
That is **4:36:30**
